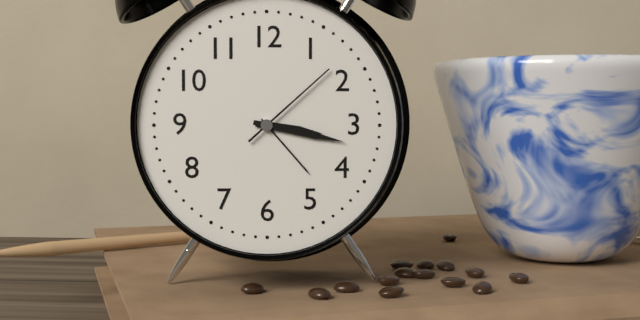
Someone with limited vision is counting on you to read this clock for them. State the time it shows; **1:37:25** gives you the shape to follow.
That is **3:17:08**
